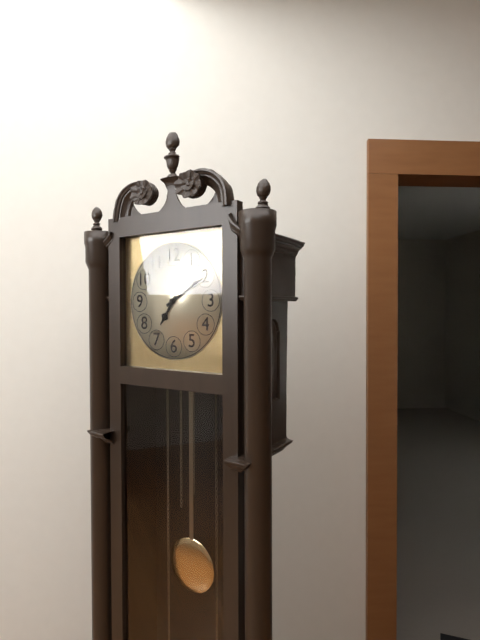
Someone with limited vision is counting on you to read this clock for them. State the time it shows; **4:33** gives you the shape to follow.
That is **7:10**
